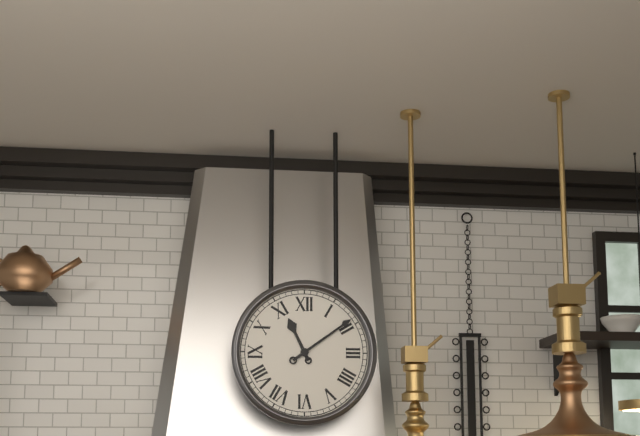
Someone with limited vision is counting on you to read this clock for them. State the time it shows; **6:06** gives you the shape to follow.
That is **11:09**
